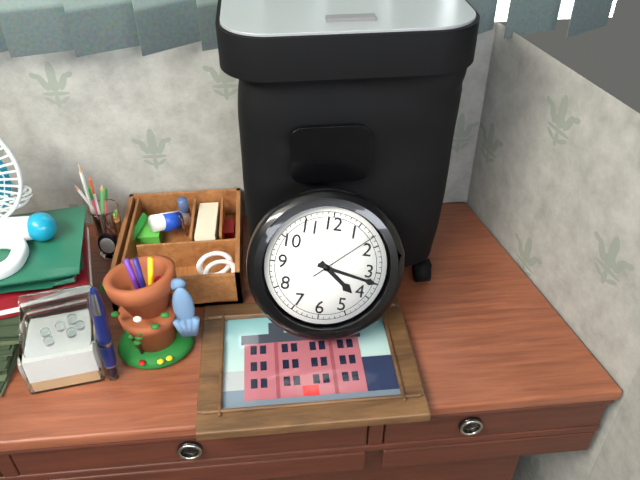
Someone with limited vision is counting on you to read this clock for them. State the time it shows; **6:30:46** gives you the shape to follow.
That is **4:17:08**
